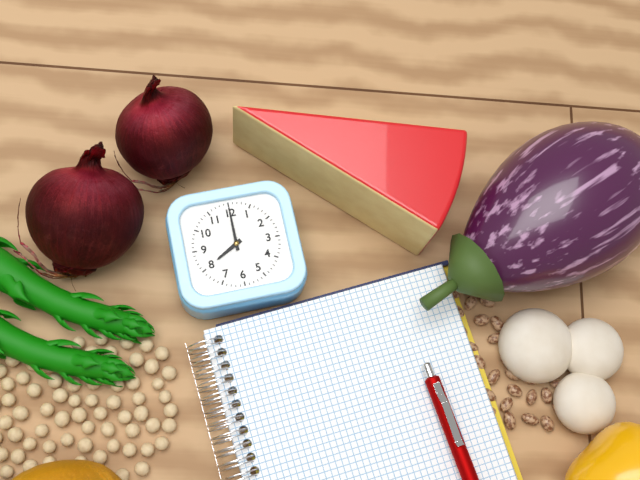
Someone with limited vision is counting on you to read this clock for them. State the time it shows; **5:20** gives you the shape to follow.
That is **8:00**
